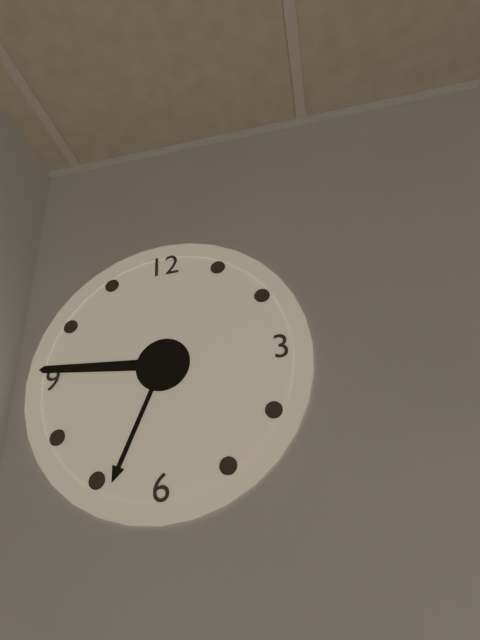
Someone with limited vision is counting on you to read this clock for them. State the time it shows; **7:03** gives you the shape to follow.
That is **6:46**
